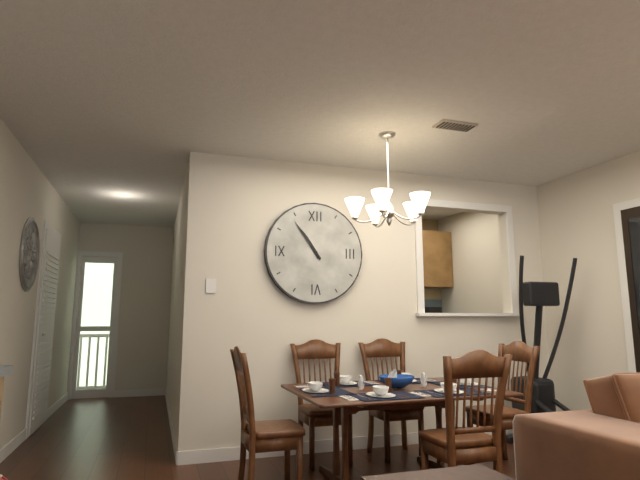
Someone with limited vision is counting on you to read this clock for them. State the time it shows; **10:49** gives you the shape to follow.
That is **10:54**
